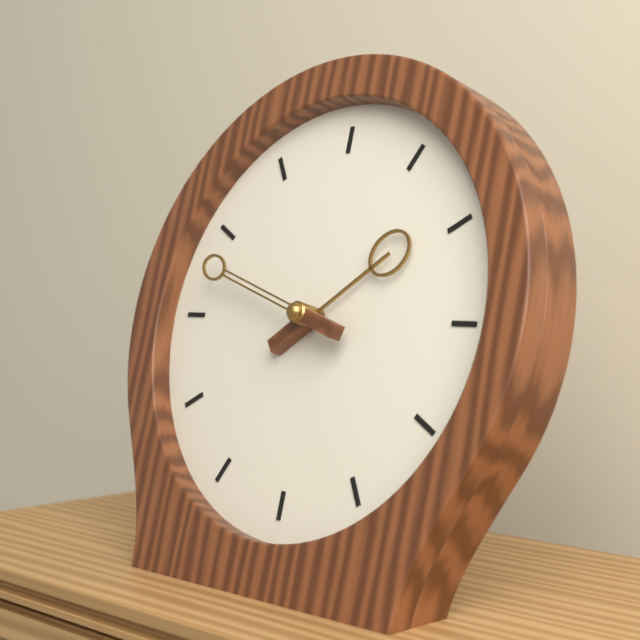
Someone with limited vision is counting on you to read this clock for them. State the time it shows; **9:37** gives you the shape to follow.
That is **1:48**
